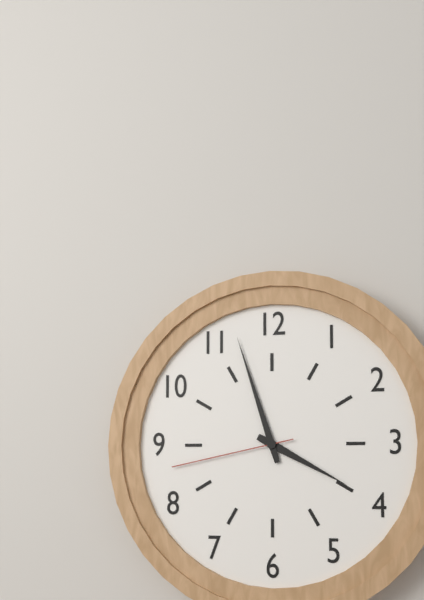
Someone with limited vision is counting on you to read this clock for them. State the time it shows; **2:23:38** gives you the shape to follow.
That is **3:57:43**
